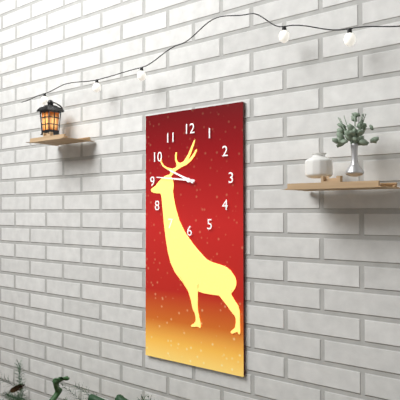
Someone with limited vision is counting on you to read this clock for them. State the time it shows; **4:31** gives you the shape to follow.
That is **9:46**
